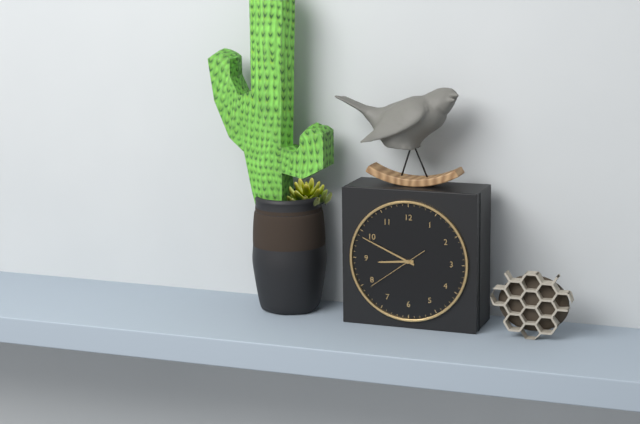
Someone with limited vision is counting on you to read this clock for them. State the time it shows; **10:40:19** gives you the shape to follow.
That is **8:49:39**
